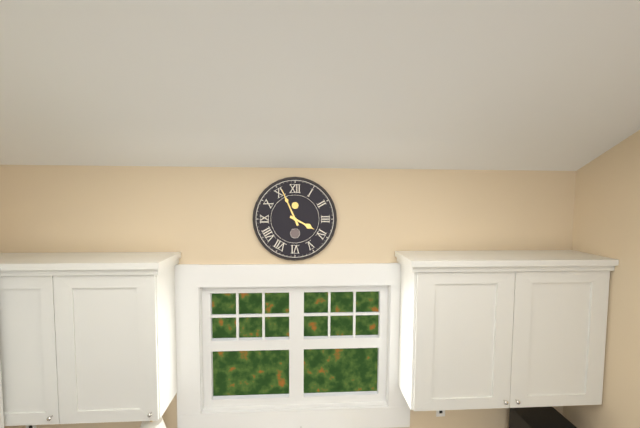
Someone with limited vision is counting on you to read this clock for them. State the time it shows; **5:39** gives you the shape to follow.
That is **3:56**
